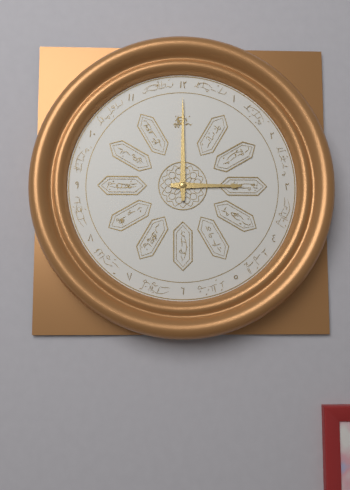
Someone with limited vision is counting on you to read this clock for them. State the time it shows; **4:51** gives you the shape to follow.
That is **3:00**
